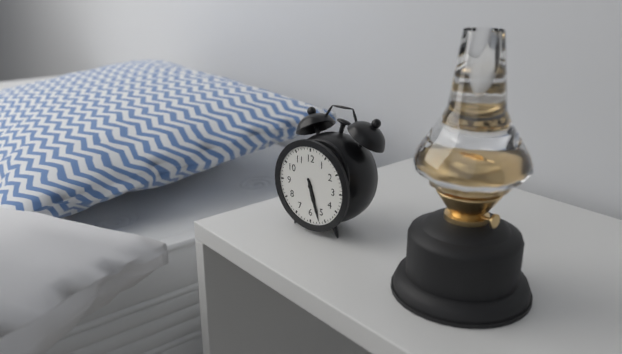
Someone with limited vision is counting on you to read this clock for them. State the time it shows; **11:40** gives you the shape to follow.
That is **5:27**
